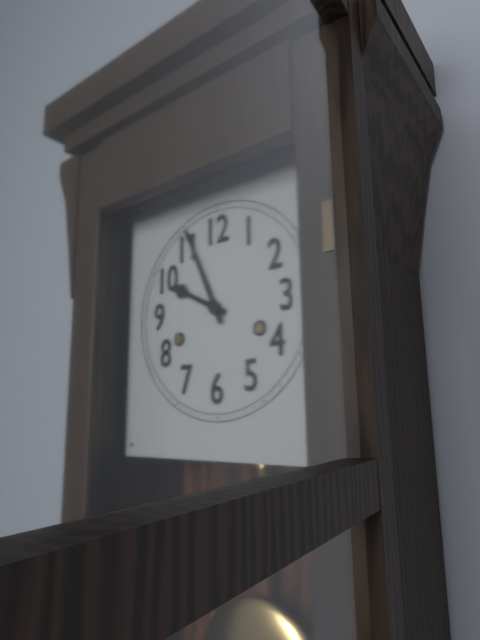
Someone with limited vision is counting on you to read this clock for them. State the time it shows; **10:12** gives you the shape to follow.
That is **9:56**
